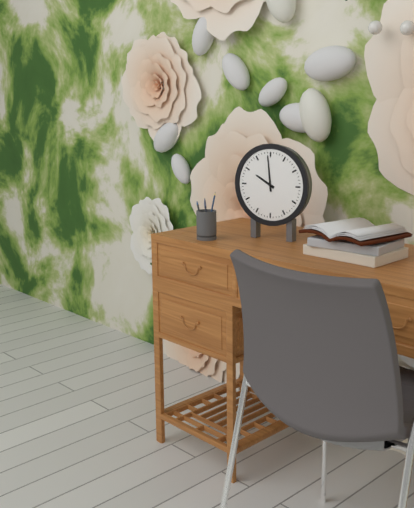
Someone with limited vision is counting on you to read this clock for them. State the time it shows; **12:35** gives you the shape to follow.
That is **9:59**
